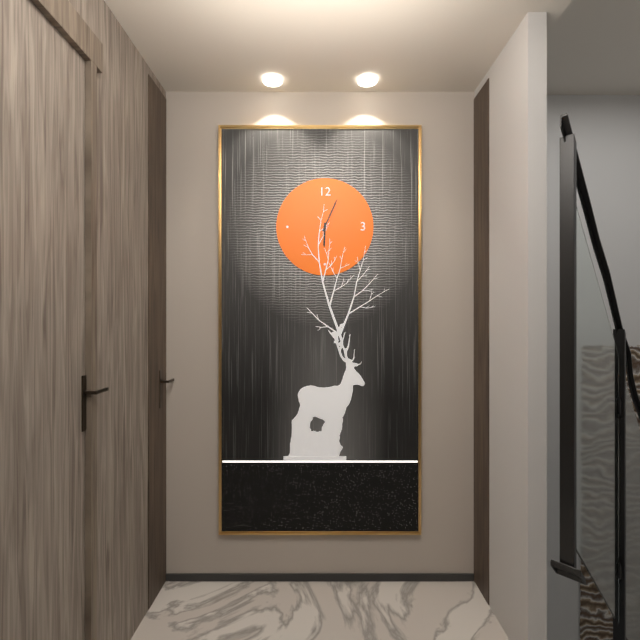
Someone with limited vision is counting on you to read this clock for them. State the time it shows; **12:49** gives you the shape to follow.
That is **6:04**
